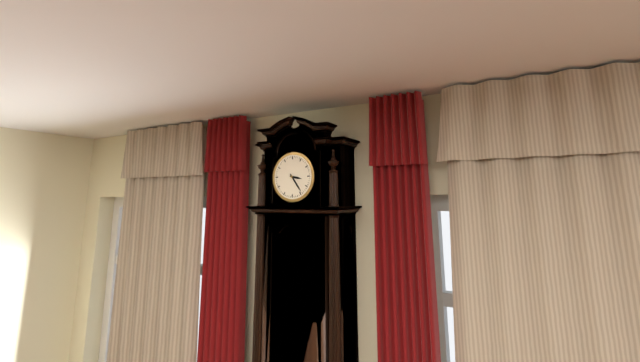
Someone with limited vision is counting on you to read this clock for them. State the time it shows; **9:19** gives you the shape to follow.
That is **3:24**
